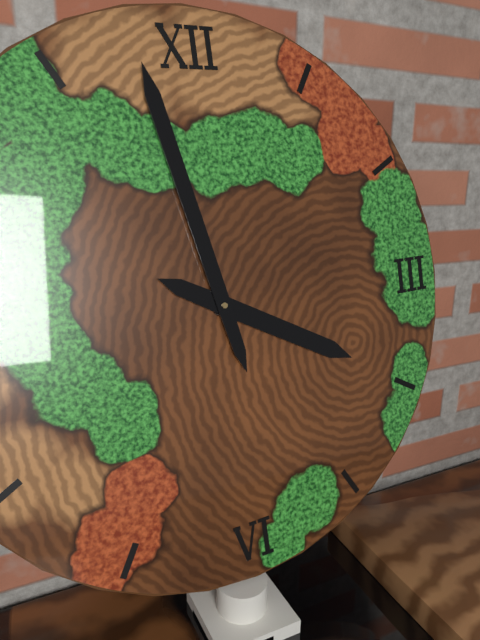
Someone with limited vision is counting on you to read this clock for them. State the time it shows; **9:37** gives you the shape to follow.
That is **3:58**
